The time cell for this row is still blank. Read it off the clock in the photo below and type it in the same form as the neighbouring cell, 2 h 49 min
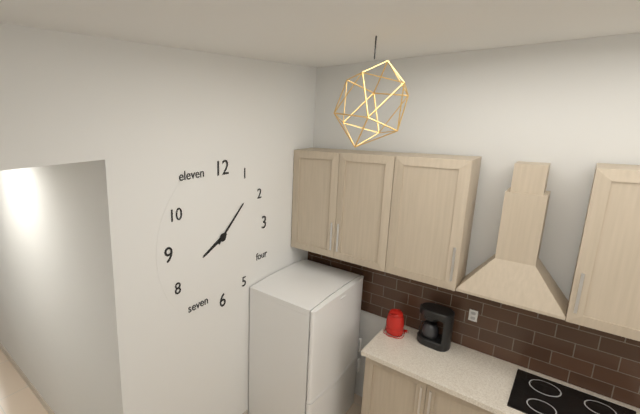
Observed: 8 h 08 min
